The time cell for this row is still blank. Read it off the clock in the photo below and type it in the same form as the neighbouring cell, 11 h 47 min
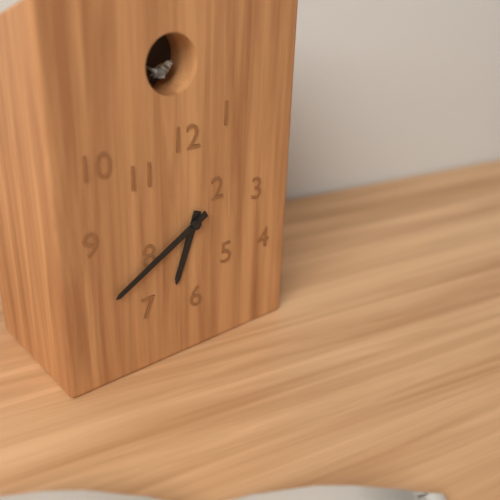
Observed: 6 h 40 min
